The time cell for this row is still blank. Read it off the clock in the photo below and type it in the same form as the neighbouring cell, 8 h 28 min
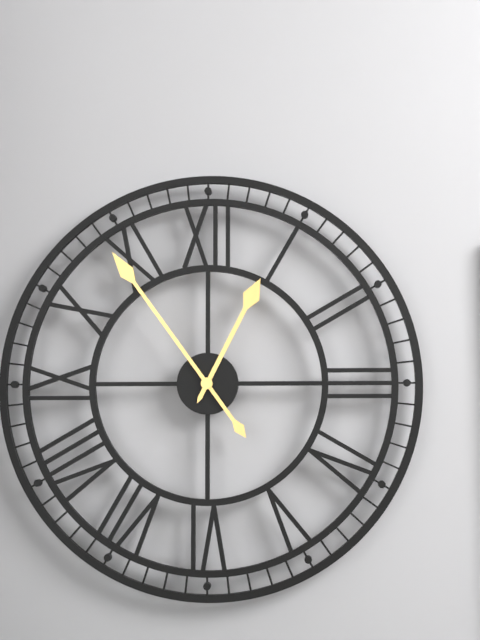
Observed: 12 h 54 min
